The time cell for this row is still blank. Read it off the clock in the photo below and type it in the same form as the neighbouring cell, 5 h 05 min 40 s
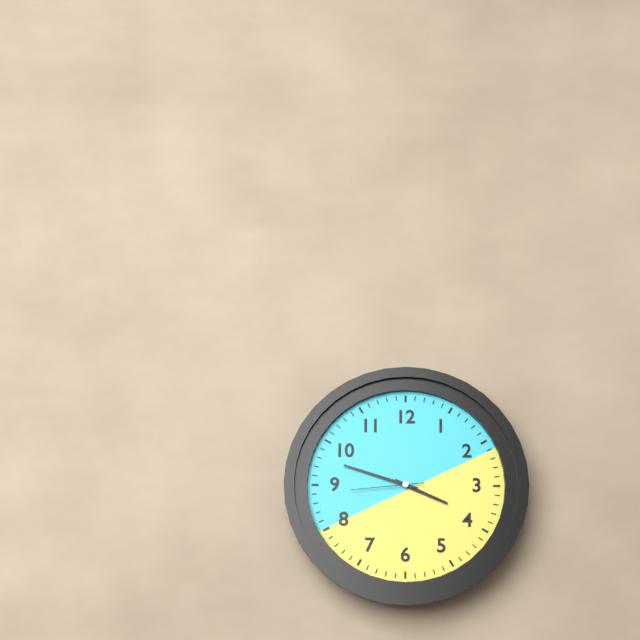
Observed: 3 h 48 min 44 s
